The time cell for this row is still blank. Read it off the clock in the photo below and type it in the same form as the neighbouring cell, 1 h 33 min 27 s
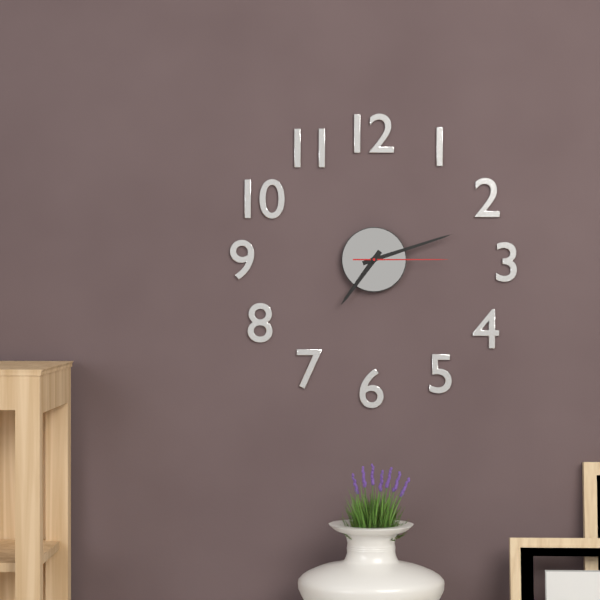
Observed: 7 h 12 min 15 s
